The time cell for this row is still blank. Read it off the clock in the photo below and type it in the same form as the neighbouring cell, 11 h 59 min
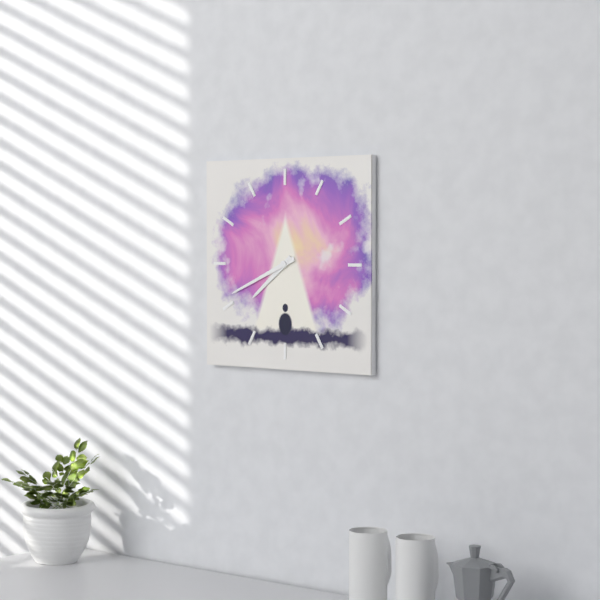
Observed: 7 h 41 min
